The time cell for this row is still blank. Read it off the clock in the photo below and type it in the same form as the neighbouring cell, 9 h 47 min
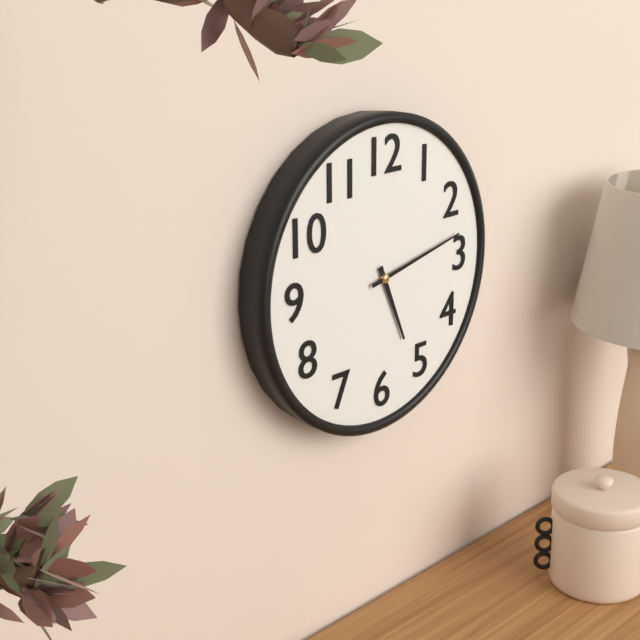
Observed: 5 h 13 min
